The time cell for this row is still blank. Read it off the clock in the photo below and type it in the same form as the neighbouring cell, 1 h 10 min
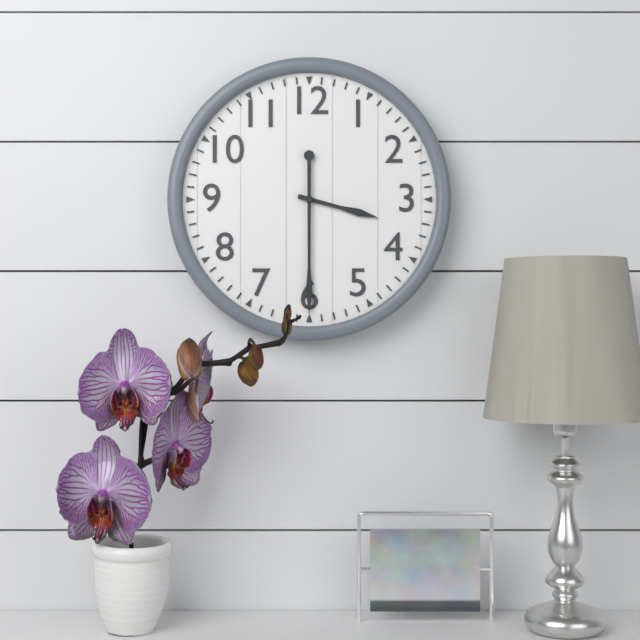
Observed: 3 h 30 min
